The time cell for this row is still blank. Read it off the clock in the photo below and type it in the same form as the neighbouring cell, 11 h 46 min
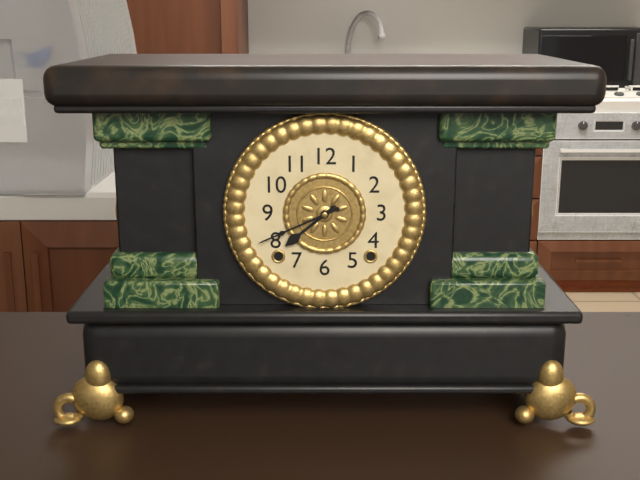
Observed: 7 h 41 min
